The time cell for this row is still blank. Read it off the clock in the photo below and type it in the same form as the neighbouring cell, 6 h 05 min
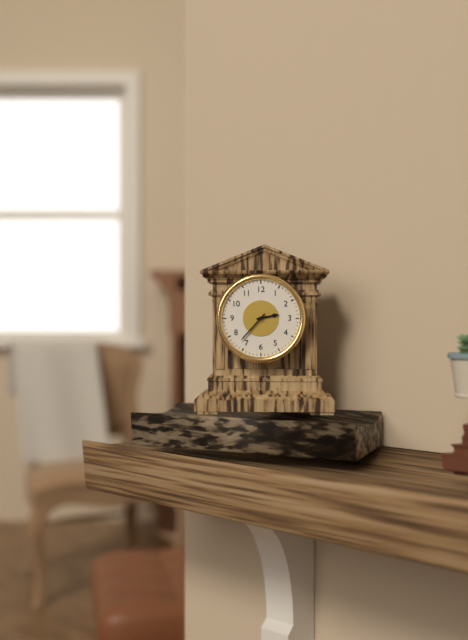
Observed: 2 h 37 min
